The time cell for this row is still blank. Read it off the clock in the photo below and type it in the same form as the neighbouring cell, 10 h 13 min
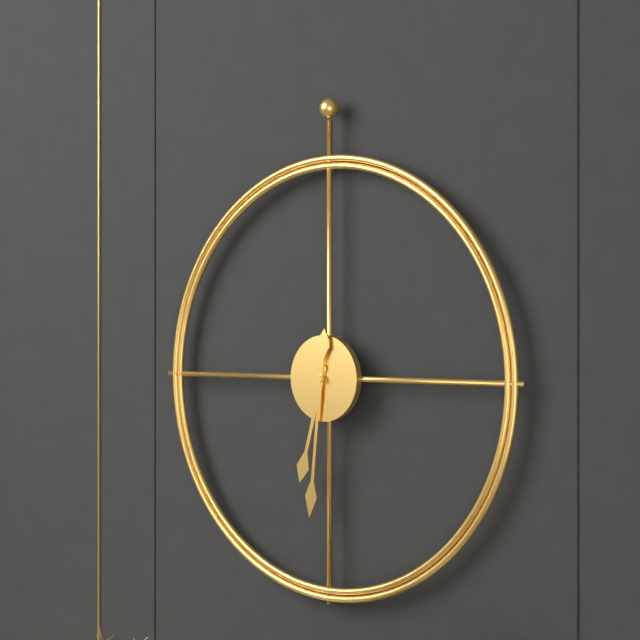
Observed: 6 h 31 min
